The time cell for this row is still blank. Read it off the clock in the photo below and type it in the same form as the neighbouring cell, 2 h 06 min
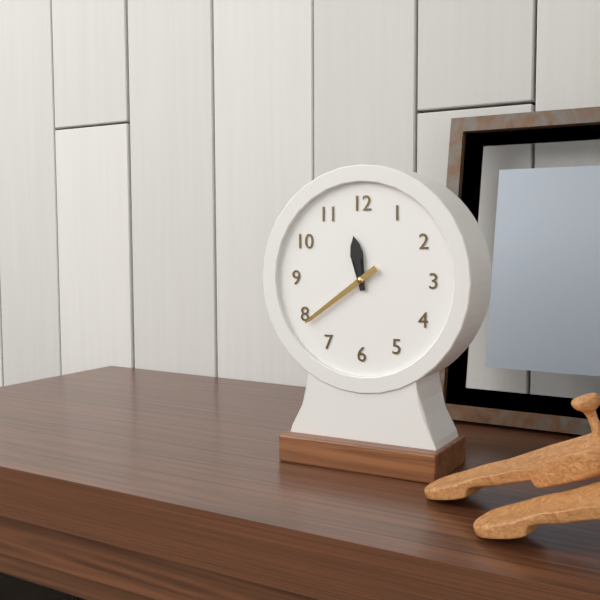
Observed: 11 h 39 min
